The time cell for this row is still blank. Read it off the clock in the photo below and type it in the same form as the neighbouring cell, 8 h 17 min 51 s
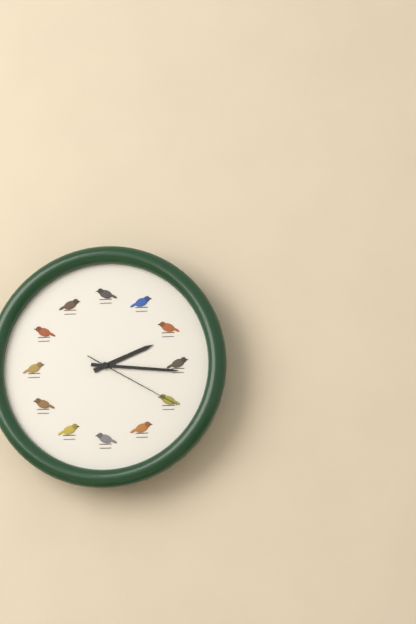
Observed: 2 h 16 min 20 s
